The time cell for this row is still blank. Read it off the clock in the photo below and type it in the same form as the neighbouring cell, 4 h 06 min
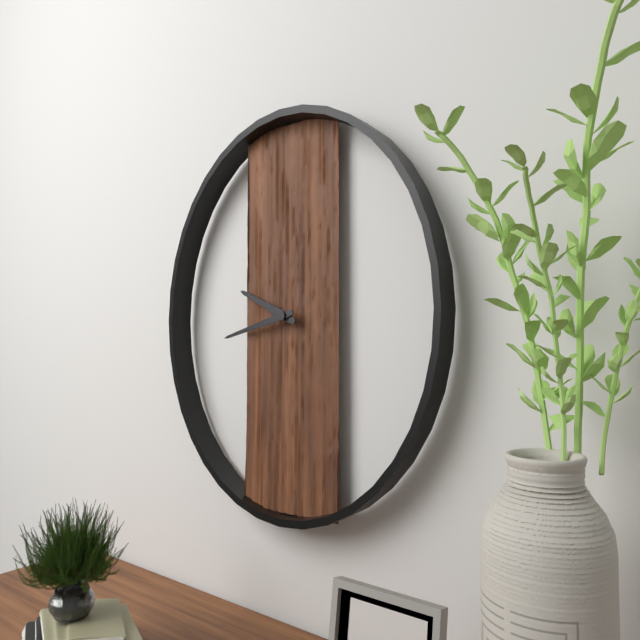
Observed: 9 h 43 min
